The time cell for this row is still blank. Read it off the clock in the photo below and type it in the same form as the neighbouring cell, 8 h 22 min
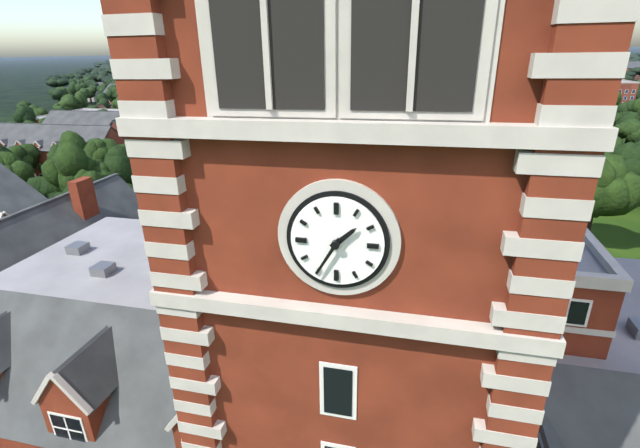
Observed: 1 h 35 min
